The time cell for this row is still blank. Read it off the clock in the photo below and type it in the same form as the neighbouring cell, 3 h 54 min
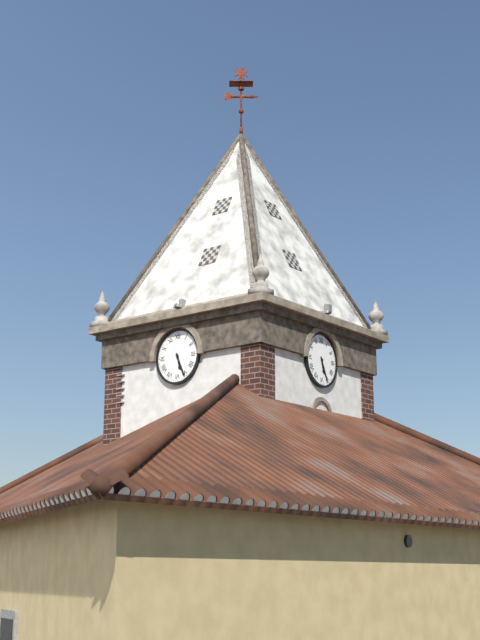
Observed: 5 h 26 min
